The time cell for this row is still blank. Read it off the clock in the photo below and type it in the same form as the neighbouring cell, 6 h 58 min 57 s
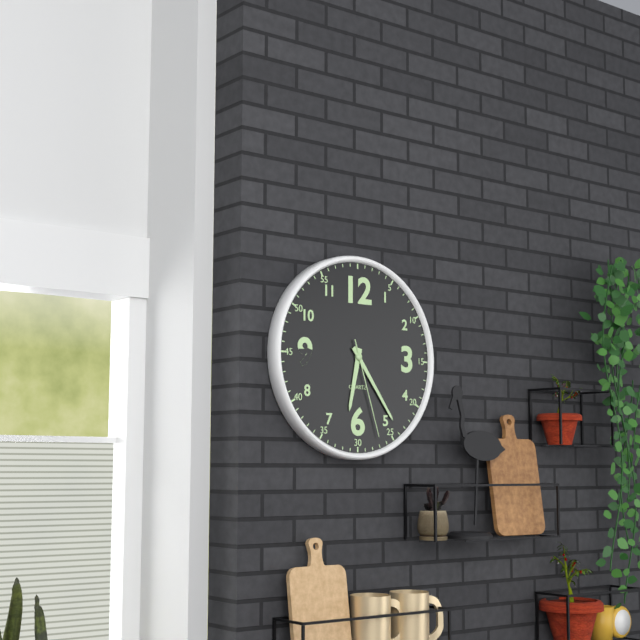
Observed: 6 h 24 min 27 s
